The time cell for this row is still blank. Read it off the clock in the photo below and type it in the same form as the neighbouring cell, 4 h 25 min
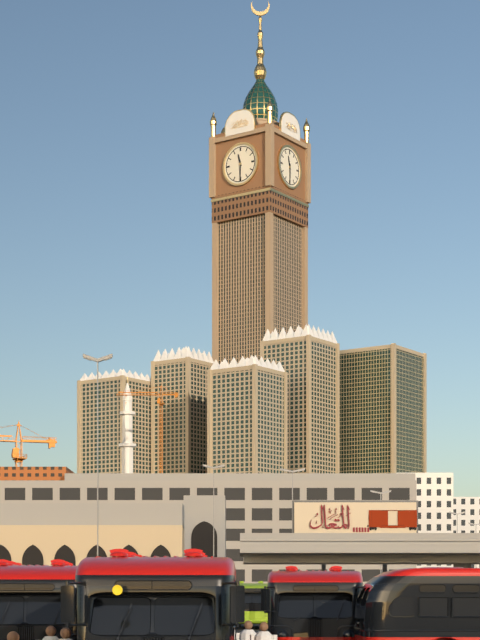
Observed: 11 h 30 min
